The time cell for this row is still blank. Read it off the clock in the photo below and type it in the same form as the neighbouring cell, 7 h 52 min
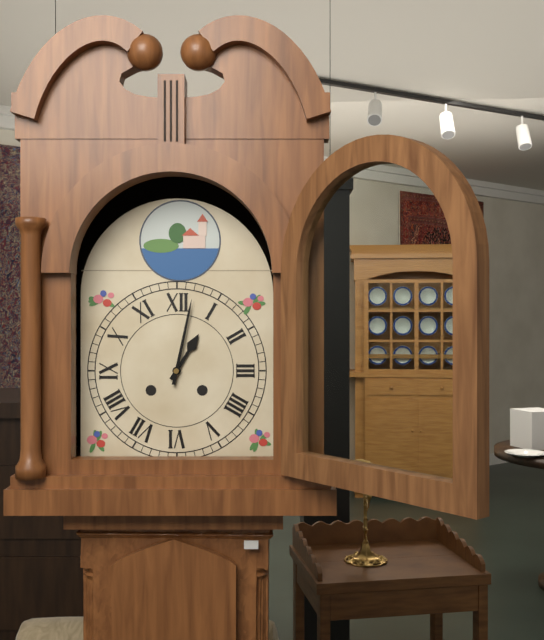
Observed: 1 h 02 min
